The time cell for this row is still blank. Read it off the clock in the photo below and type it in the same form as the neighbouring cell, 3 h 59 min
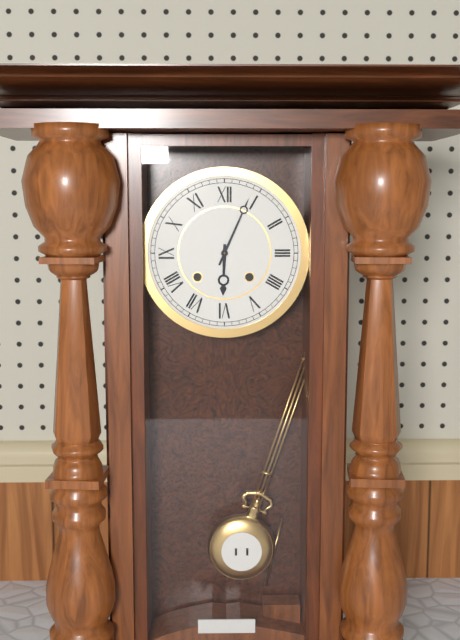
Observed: 6 h 04 min
